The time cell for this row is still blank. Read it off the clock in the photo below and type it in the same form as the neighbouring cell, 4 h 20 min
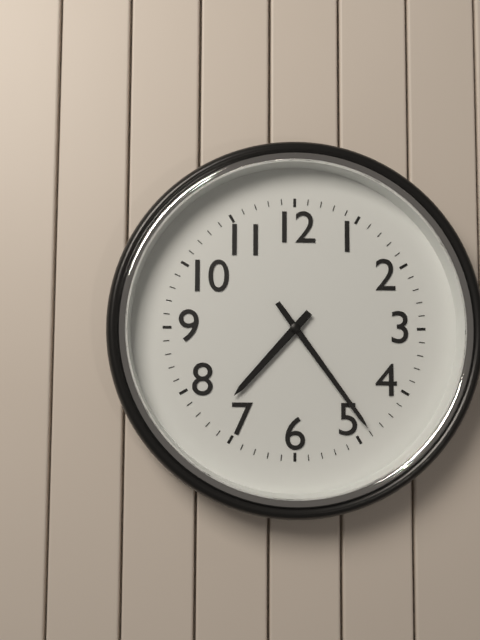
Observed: 7 h 24 min
